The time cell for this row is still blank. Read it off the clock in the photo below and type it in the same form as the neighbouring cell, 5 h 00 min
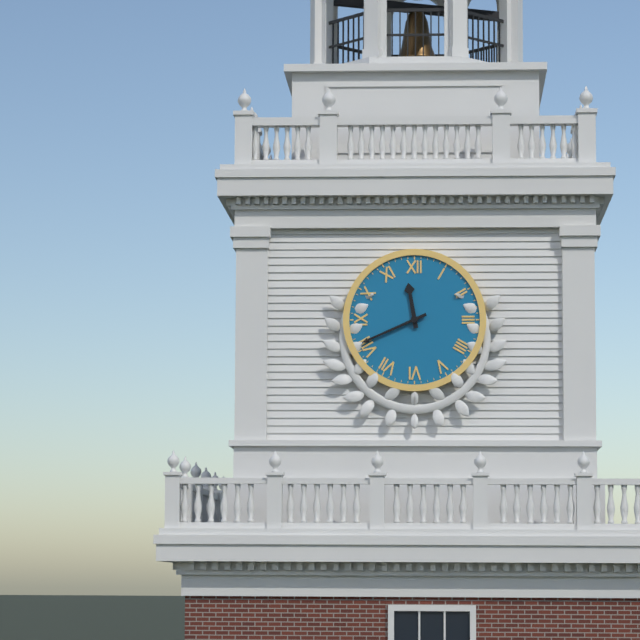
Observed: 11 h 41 min
